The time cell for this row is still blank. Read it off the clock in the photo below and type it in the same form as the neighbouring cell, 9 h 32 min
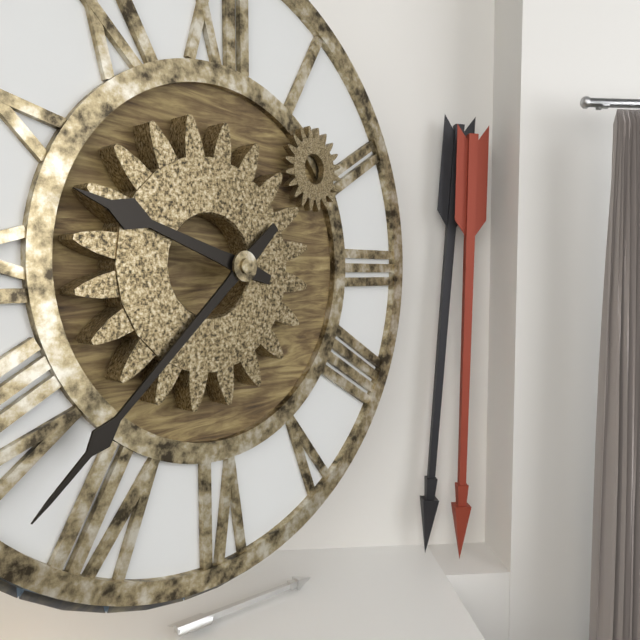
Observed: 9 h 38 min
